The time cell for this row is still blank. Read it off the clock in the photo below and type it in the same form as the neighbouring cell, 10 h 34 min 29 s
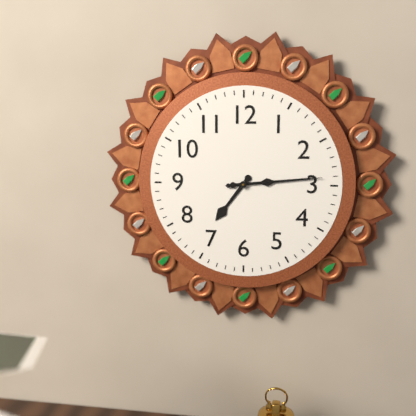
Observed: 7 h 14 min 14 s
